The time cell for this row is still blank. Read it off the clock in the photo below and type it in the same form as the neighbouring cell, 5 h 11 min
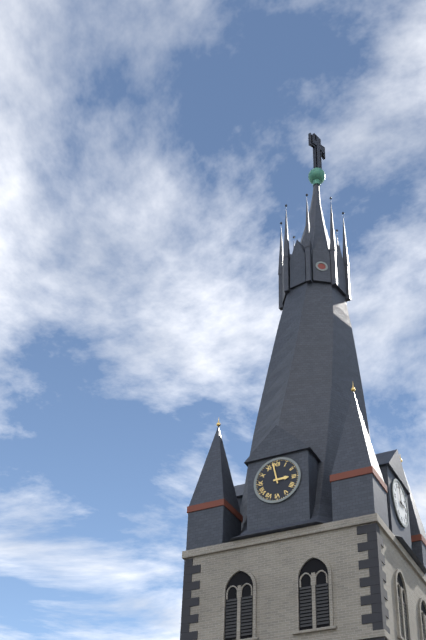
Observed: 2 h 58 min
